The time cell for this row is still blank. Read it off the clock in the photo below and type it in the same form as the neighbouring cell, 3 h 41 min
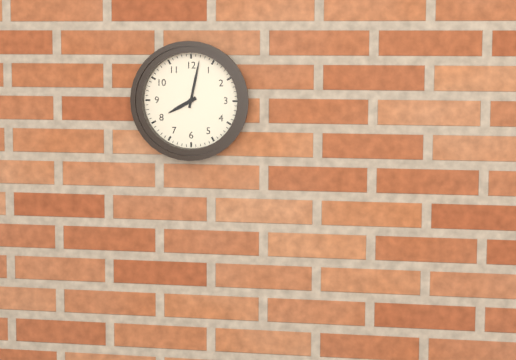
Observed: 8 h 02 min
